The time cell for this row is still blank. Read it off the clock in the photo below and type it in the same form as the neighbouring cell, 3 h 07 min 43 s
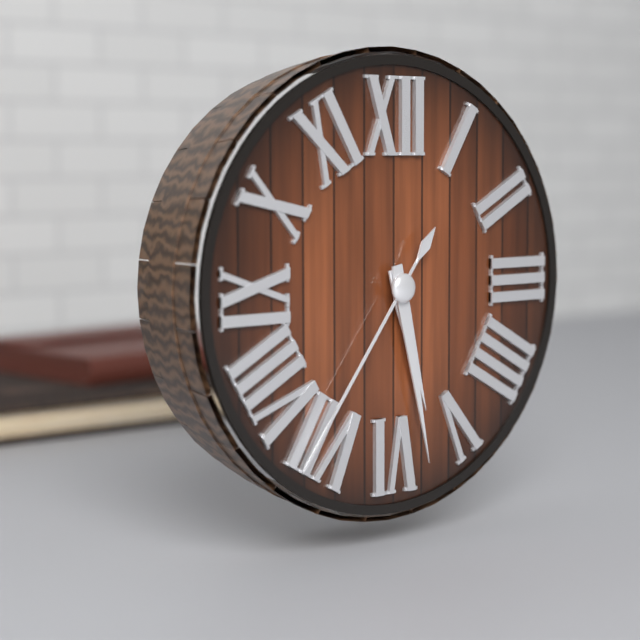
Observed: 5 h 28 min 36 s
